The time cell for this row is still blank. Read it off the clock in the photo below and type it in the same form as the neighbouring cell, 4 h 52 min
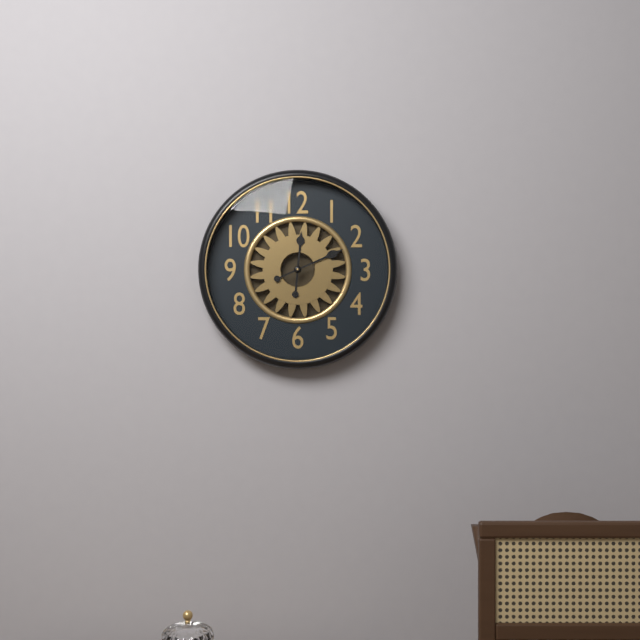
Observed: 12 h 11 min
